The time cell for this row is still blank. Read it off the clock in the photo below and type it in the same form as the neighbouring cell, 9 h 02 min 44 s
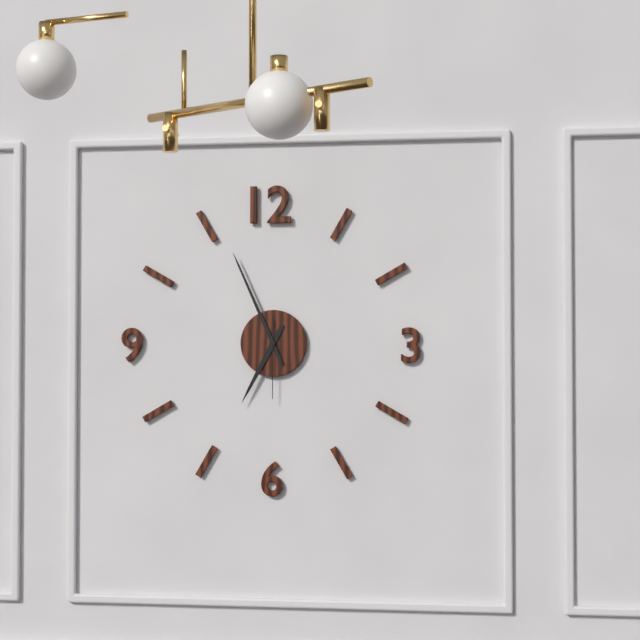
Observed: 6 h 56 min 30 s
